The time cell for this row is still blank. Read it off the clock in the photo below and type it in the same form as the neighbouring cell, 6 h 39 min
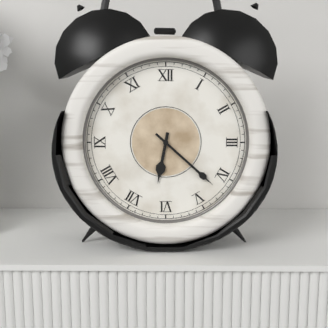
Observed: 6 h 22 min
